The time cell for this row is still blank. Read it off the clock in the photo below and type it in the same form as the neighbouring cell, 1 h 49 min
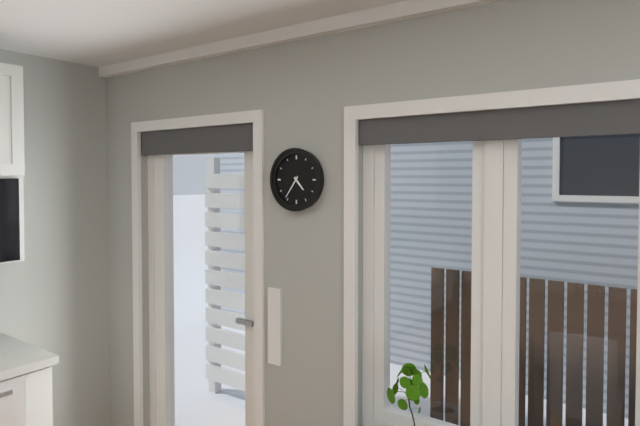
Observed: 4 h 36 min
